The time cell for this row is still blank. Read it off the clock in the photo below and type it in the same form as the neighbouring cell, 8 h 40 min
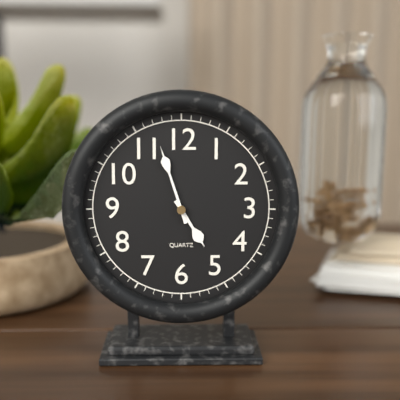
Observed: 4 h 57 min
